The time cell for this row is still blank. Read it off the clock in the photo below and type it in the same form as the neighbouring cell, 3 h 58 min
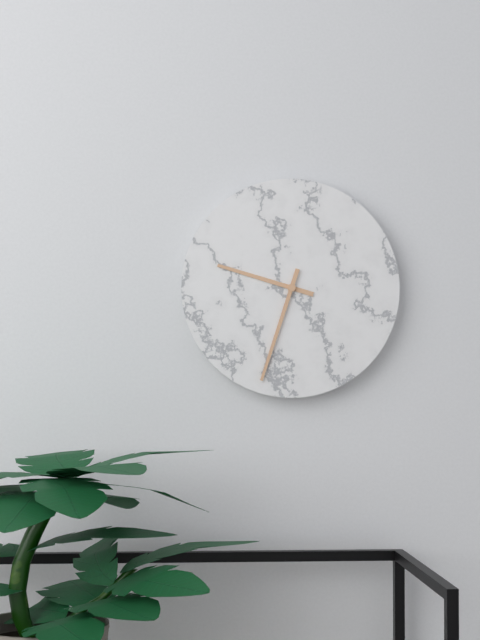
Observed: 9 h 33 min
